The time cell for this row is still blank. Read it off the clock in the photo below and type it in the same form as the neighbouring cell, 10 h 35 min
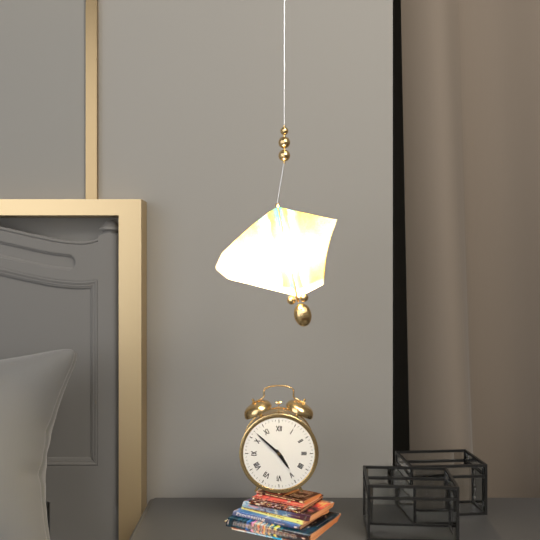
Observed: 4 h 52 min
